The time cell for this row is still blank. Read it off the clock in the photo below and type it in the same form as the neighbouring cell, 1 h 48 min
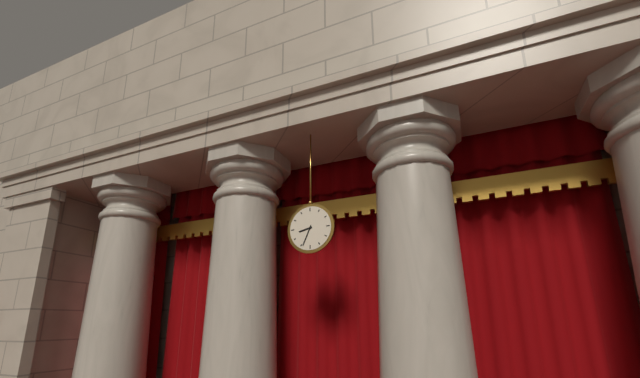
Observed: 8 h 34 min
